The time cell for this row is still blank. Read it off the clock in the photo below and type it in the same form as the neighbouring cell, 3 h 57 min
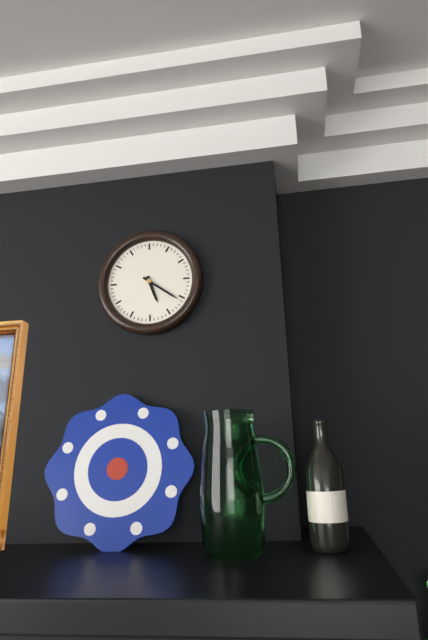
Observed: 5 h 21 min
